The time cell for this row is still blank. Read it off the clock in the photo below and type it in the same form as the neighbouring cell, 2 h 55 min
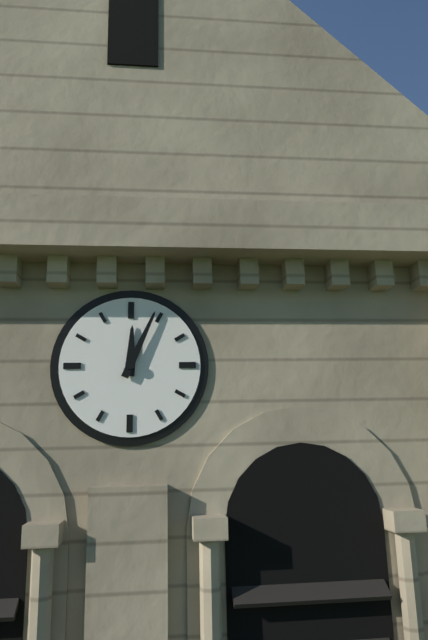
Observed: 12 h 04 min
